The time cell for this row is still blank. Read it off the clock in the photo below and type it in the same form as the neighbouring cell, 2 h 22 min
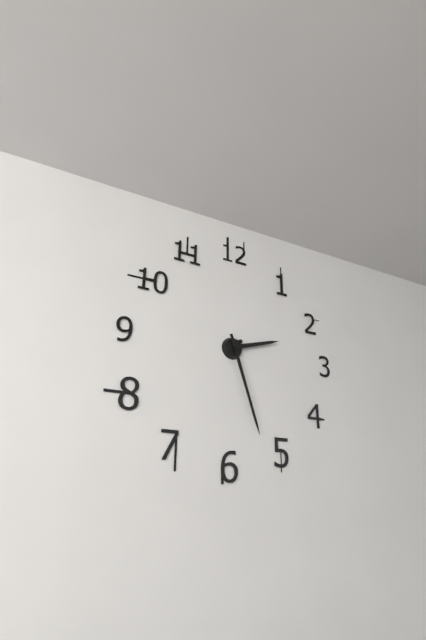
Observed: 2 h 27 min
